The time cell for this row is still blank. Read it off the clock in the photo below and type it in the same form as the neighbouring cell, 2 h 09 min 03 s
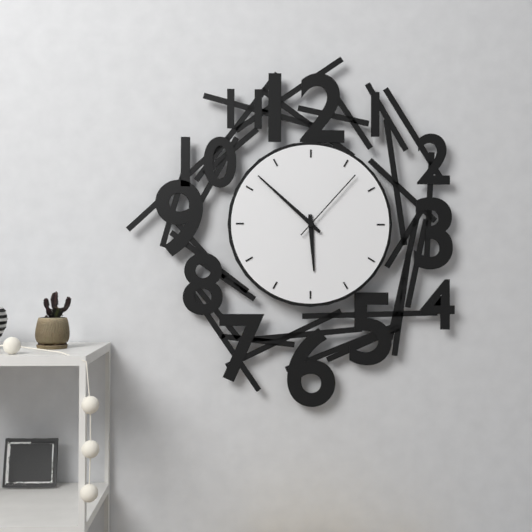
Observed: 5 h 52 min 07 s
